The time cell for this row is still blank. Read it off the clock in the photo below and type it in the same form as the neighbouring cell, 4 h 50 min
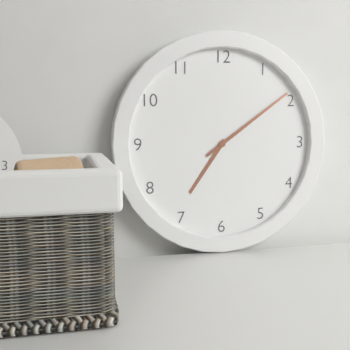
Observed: 7 h 09 min
